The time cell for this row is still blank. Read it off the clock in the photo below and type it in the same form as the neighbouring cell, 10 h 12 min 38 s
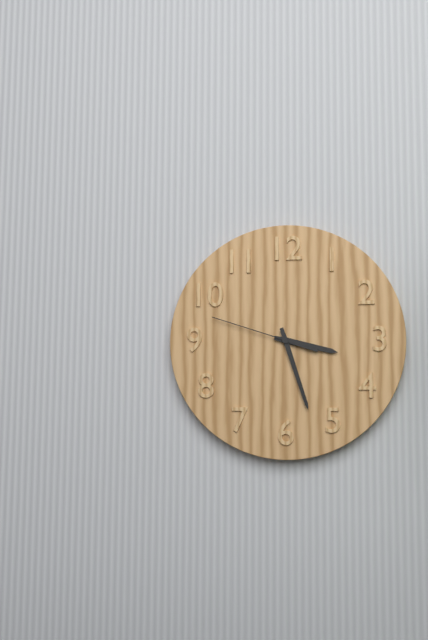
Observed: 3 h 27 min 48 s
